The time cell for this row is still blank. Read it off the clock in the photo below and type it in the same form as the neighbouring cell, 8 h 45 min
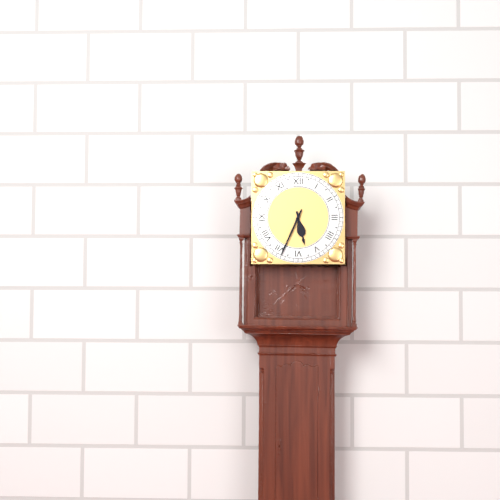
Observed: 5 h 34 min
